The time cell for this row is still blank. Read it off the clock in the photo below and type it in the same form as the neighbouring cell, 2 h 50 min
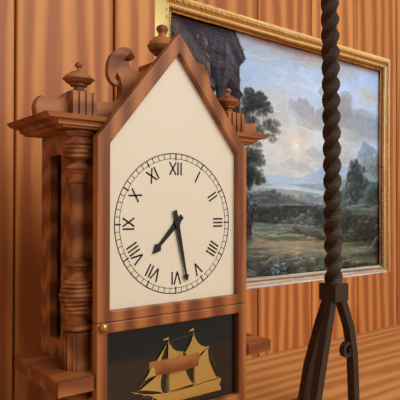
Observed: 7 h 28 min
